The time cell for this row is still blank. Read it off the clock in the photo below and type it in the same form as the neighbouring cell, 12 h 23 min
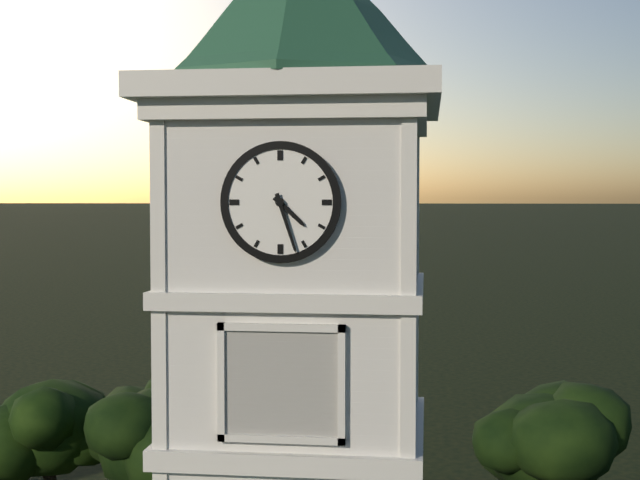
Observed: 4 h 27 min
